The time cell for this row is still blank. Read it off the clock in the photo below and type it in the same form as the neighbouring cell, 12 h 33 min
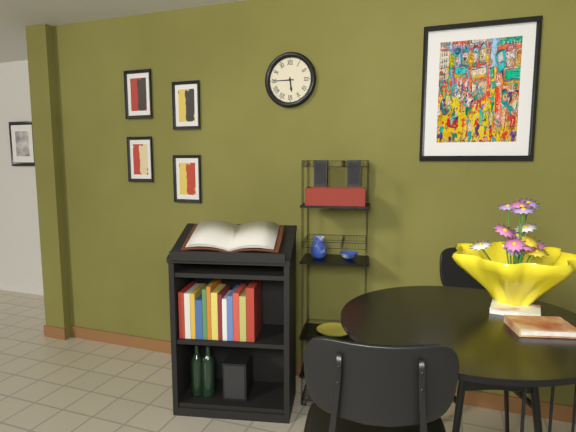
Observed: 5 h 45 min
